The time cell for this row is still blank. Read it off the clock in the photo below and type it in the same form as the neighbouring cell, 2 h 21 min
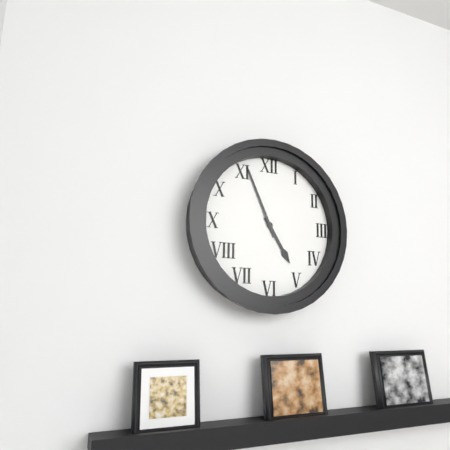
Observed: 4 h 56 min
